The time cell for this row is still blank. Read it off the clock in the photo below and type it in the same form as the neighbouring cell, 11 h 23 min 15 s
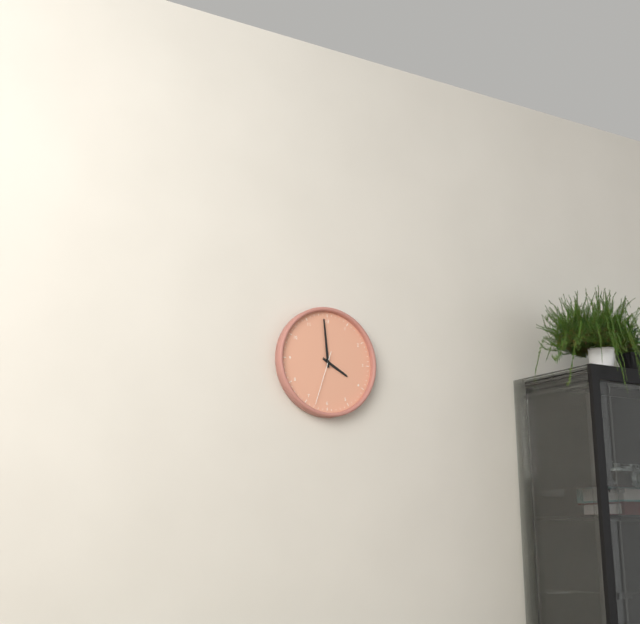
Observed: 3 h 59 min 33 s
